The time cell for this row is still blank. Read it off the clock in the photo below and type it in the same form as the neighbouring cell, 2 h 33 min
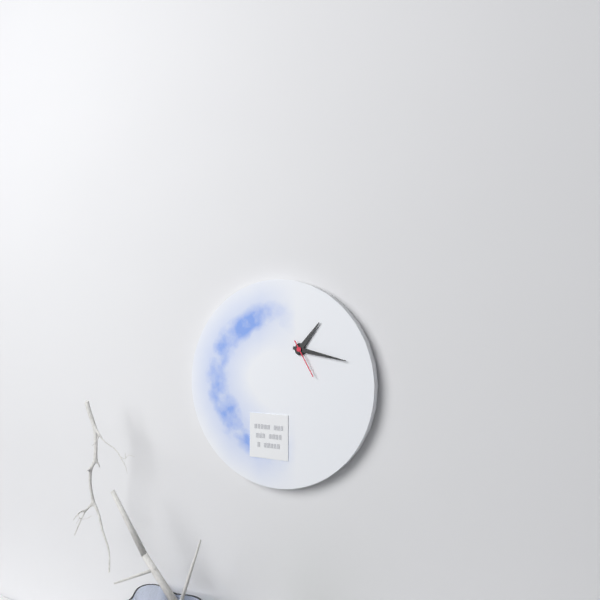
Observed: 1 h 17 min
